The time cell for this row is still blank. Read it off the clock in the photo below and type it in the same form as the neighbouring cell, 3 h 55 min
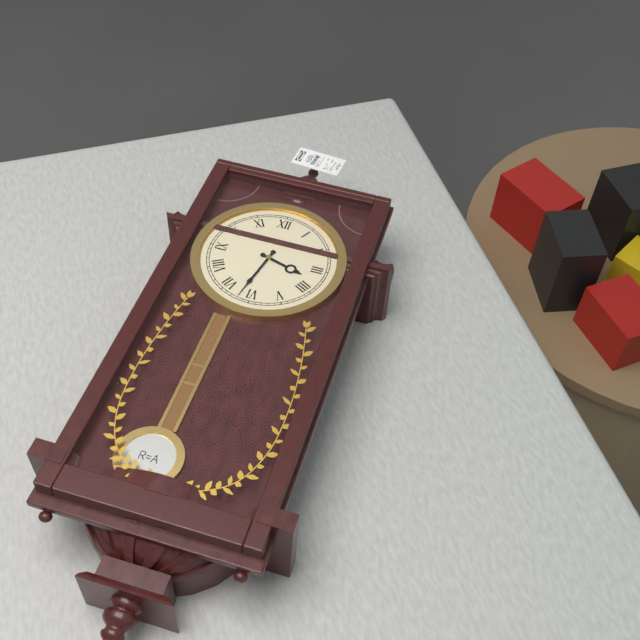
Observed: 3 h 32 min
